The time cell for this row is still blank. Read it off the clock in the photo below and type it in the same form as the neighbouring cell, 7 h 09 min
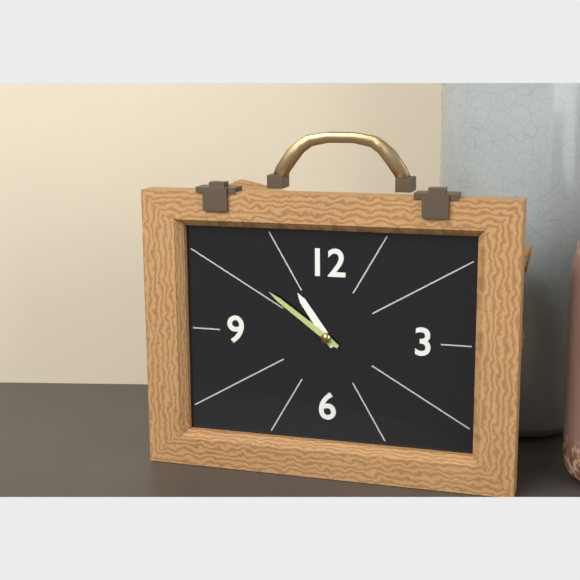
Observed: 10 h 51 min
